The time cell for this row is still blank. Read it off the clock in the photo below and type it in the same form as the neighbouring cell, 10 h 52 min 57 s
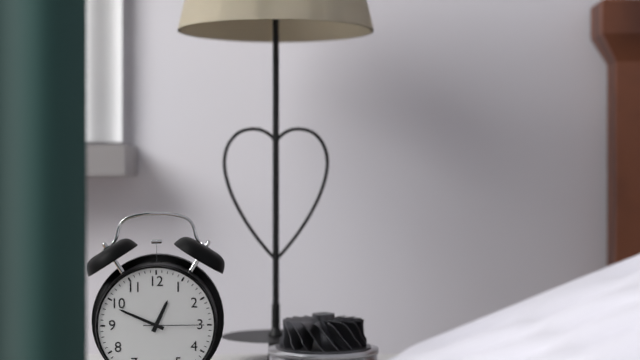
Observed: 12 h 49 min 15 s
